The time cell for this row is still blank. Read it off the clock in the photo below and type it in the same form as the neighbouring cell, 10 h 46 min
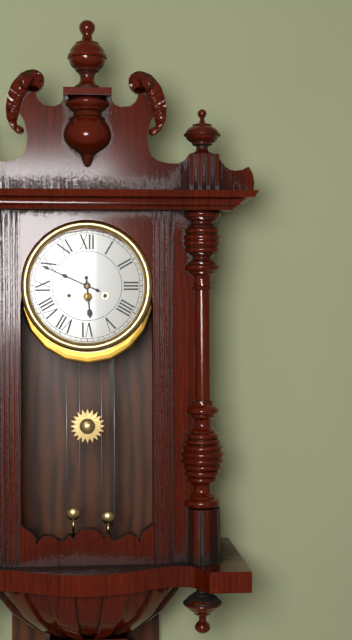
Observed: 5 h 49 min
